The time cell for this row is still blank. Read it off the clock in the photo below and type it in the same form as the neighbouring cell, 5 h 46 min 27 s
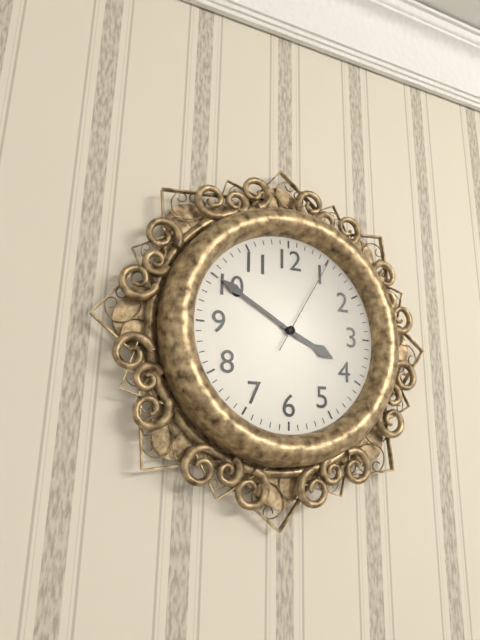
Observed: 3 h 50 min 05 s
